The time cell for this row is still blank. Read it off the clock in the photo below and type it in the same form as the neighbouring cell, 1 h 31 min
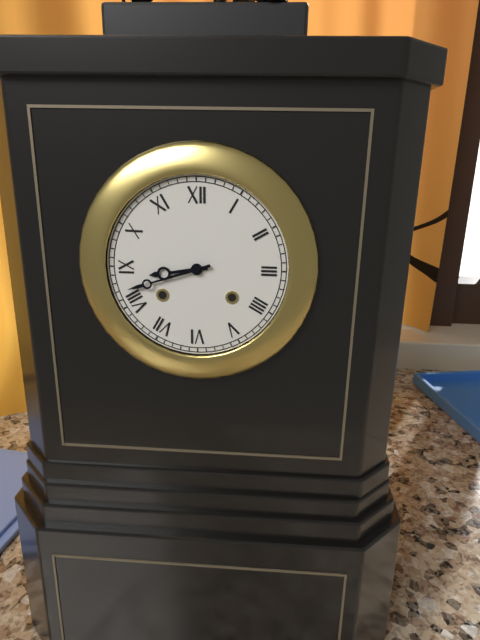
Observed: 8 h 42 min
